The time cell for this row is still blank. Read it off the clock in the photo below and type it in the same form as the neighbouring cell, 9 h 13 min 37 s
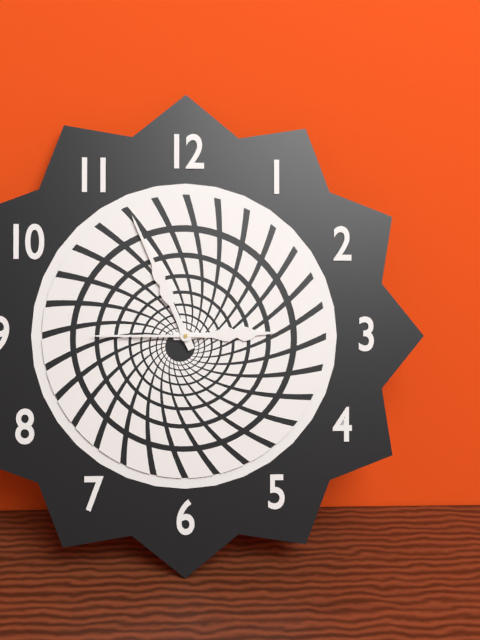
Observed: 2 h 56 min 45 s
